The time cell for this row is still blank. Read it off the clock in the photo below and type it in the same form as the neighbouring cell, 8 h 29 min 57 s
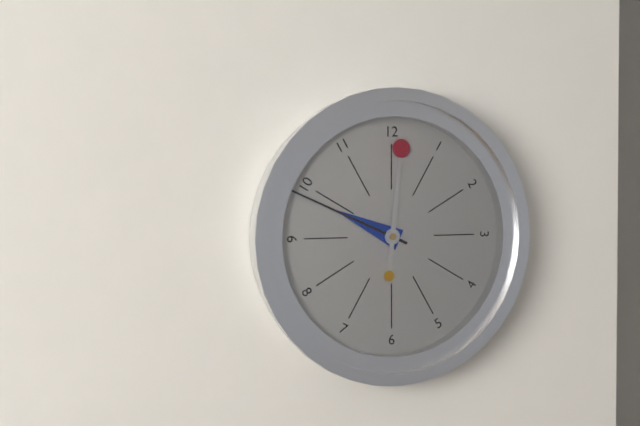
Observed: 9 h 49 min 01 s
